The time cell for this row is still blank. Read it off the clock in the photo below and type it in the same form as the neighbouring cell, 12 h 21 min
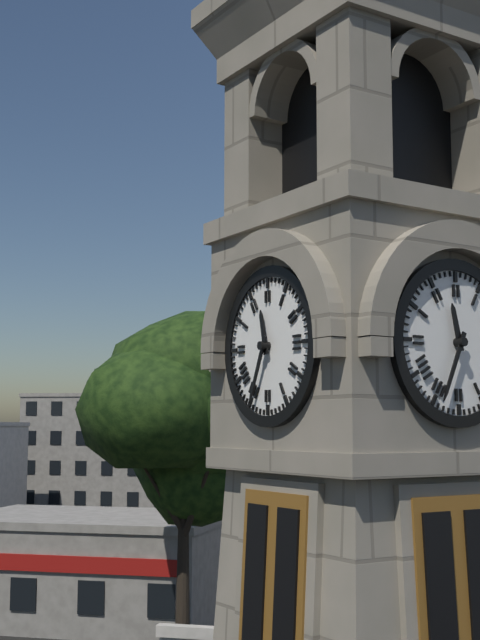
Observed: 11 h 34 min
